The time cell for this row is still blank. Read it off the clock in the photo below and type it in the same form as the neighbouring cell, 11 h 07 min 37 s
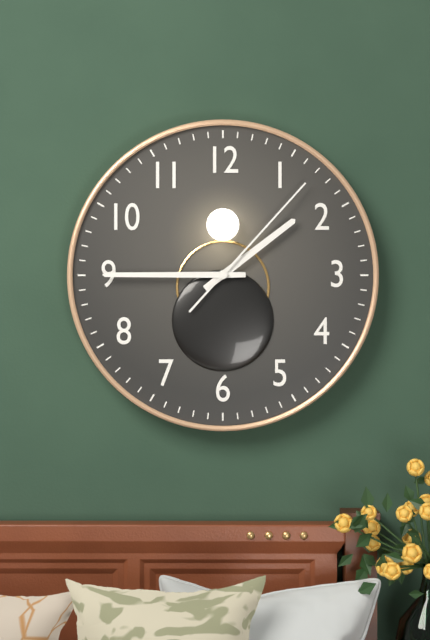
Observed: 1 h 45 min 07 s
